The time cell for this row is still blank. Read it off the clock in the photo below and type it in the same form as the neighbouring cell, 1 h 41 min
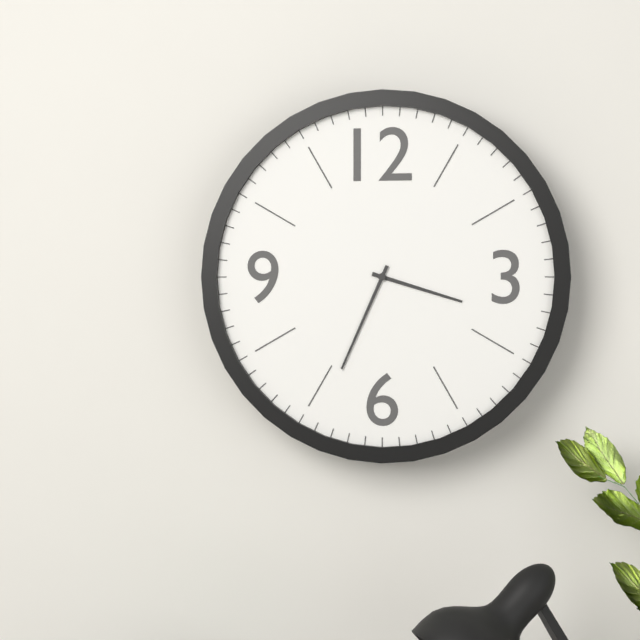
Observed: 3 h 34 min
